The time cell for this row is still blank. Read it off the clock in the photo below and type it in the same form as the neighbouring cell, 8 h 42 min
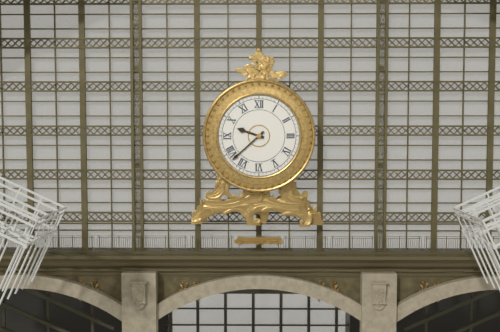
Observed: 9 h 38 min
